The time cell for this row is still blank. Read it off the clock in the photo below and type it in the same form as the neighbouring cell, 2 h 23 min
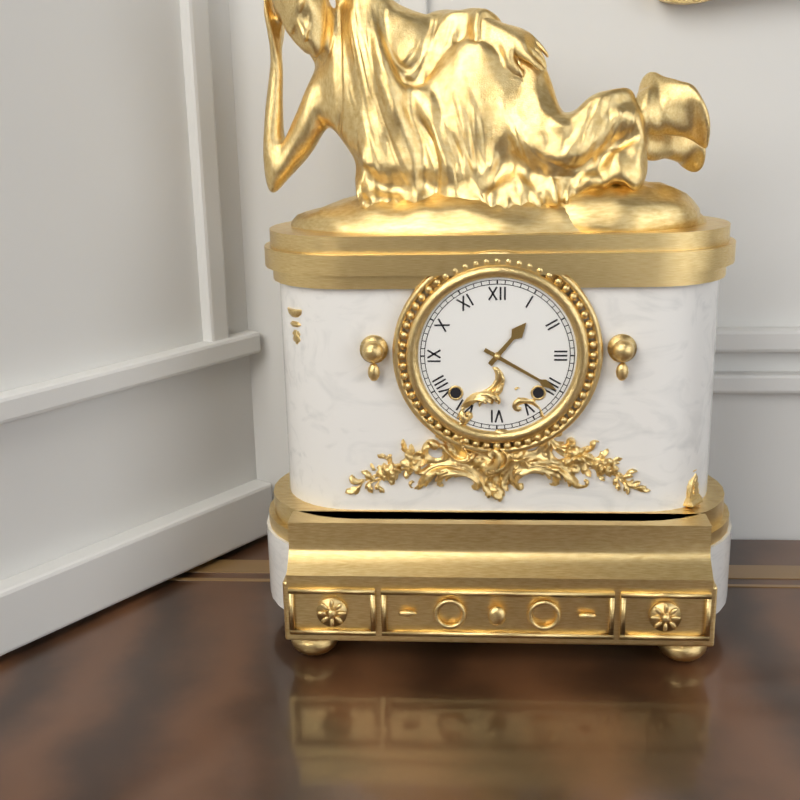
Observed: 1 h 20 min
